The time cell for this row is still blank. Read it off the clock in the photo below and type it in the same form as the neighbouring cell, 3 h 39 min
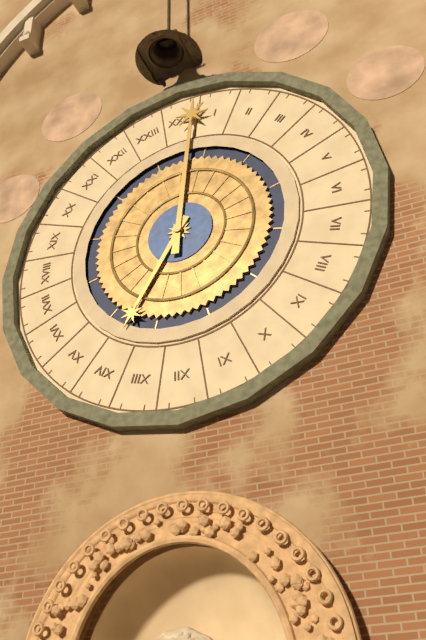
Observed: 7 h 01 min
